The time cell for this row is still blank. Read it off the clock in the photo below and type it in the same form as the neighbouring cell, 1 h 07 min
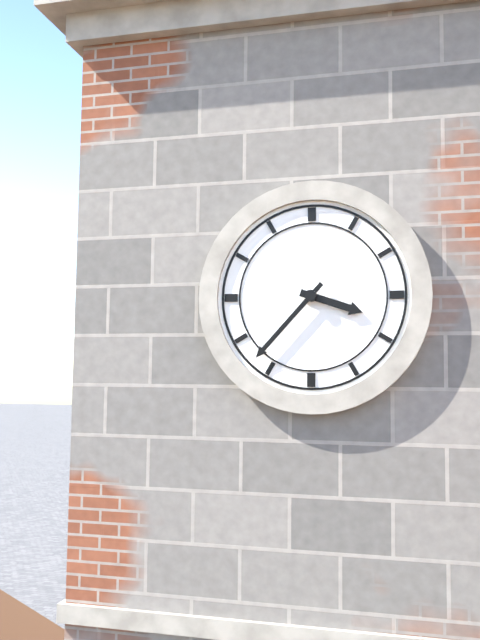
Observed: 3 h 37 min
